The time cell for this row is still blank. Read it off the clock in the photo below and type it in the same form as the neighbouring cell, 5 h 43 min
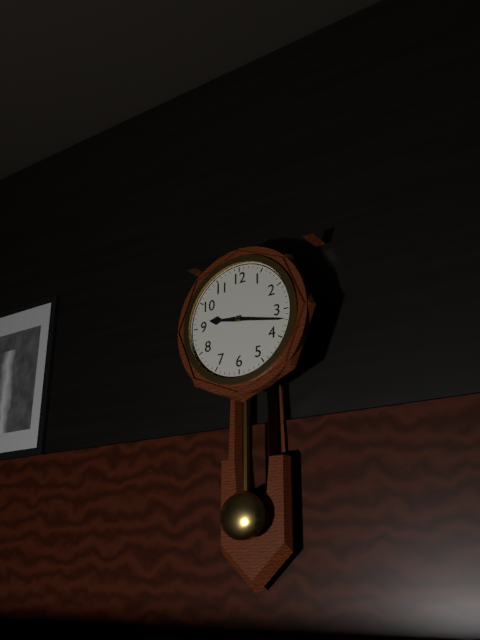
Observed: 9 h 17 min
